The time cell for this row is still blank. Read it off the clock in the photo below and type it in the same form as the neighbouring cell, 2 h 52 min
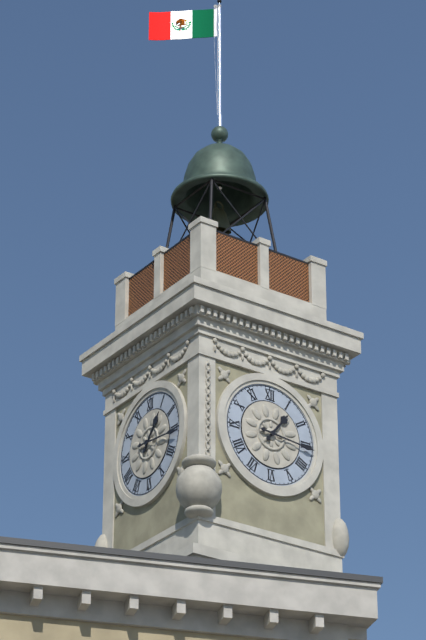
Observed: 1 h 16 min
